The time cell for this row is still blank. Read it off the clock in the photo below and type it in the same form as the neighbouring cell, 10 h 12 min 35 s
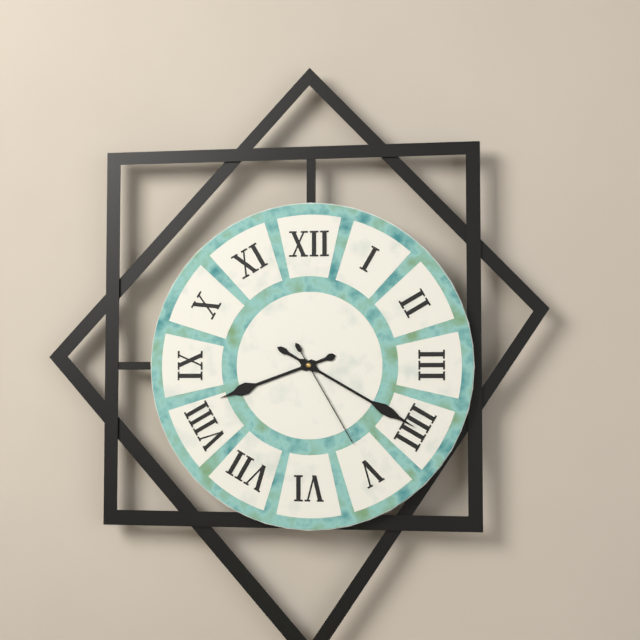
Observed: 8 h 20 min 25 s
